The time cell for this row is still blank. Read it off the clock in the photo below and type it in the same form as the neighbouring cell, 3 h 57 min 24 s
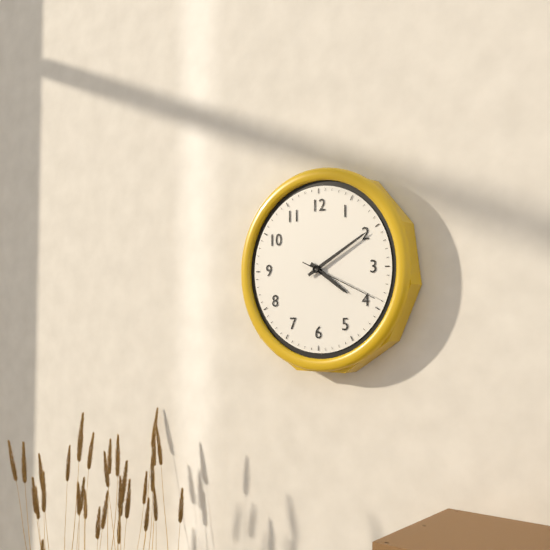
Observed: 4 h 10 min 19 s
